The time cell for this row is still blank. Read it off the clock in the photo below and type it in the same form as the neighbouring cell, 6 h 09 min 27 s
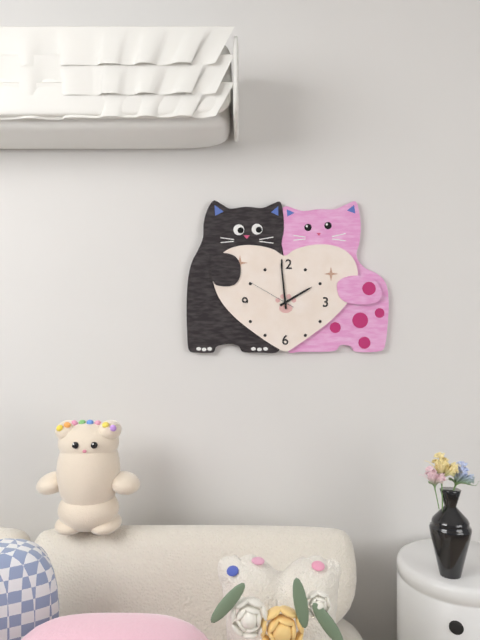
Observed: 1 h 59 min 50 s
